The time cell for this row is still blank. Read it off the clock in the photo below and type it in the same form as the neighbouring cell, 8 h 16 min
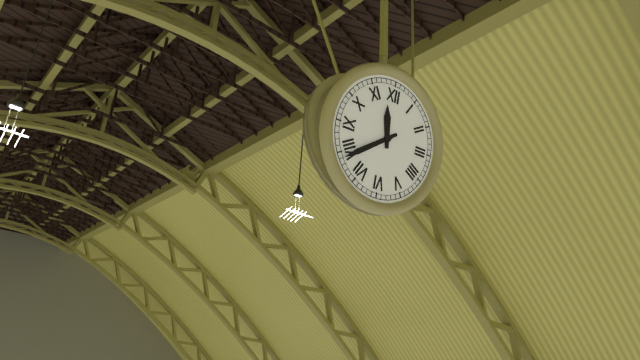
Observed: 11 h 39 min
